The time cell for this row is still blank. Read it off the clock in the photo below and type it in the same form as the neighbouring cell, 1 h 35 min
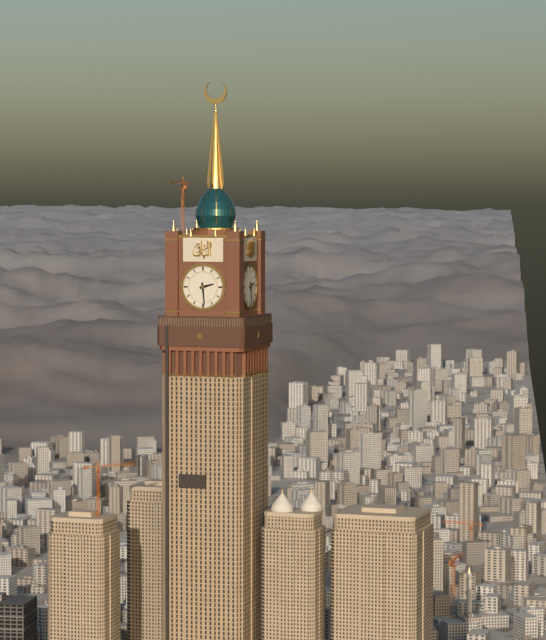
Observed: 2 h 29 min
